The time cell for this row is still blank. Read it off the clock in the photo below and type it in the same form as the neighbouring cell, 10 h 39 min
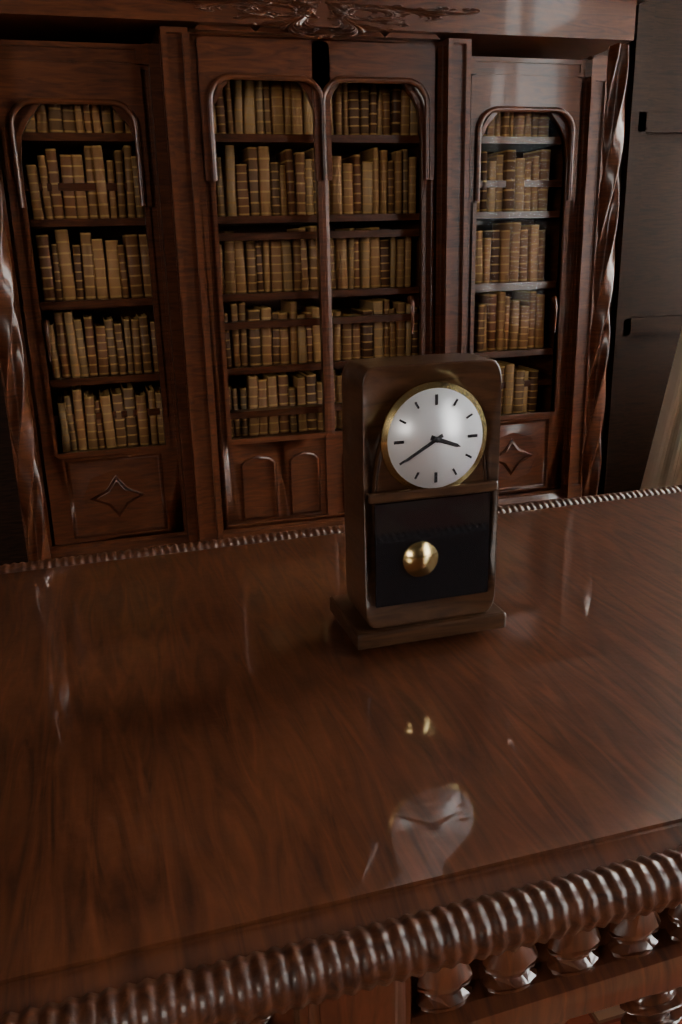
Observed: 3 h 40 min
